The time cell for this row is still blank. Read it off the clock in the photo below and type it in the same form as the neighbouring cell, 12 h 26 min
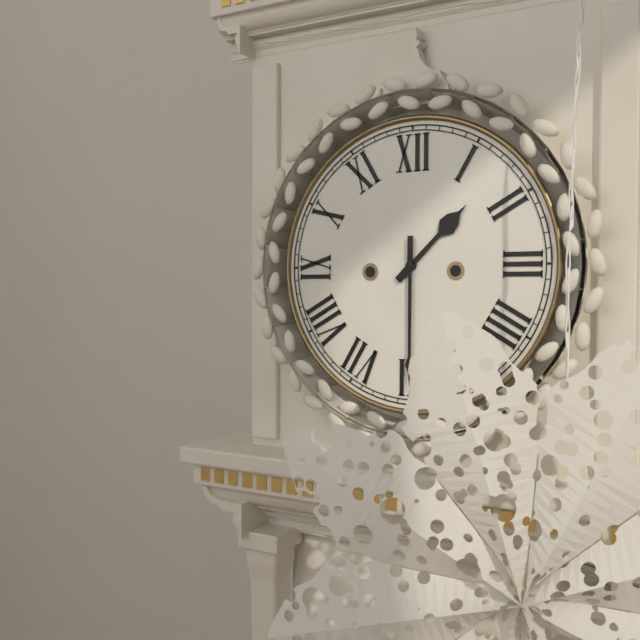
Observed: 1 h 30 min
